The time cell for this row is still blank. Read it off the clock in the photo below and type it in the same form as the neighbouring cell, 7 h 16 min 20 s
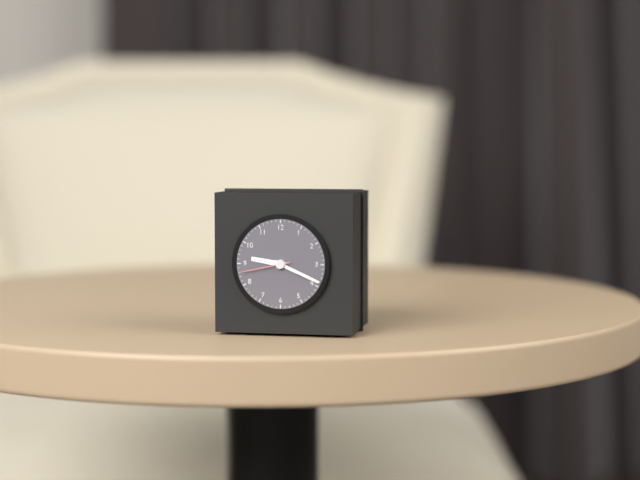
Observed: 9 h 19 min 43 s
